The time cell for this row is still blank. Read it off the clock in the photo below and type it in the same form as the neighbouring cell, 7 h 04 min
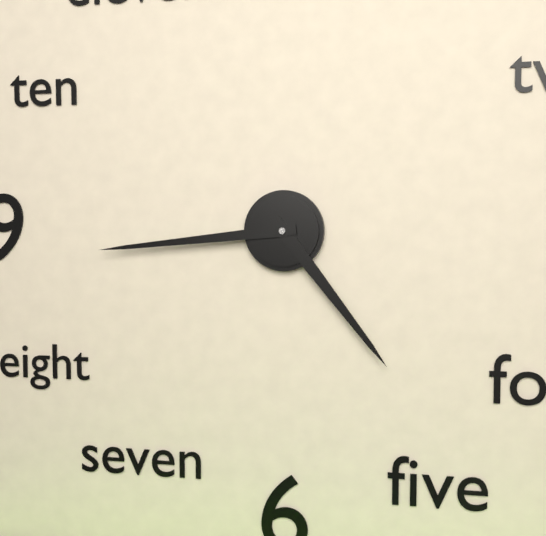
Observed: 4 h 44 min
